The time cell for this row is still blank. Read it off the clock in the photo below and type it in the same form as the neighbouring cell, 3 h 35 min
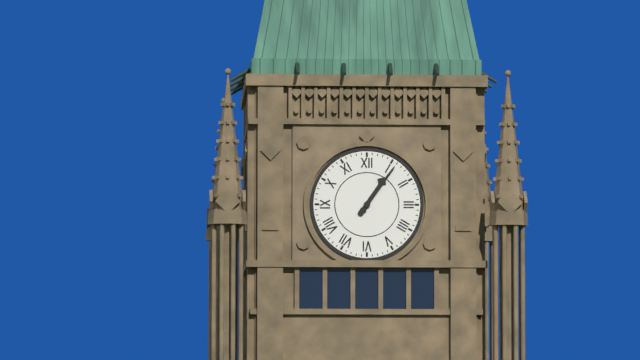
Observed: 1 h 06 min
